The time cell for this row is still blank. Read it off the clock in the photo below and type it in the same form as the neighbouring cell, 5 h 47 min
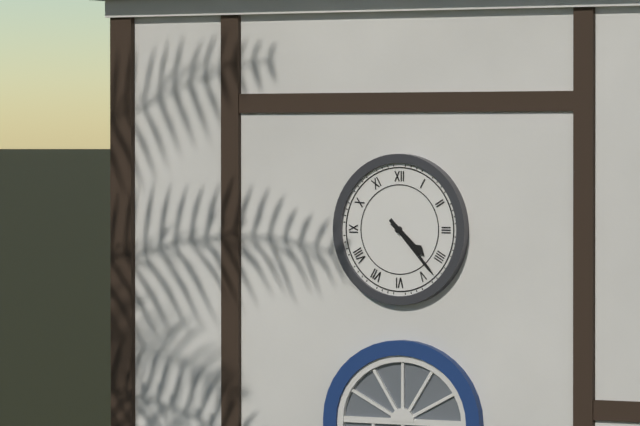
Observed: 4 h 23 min
